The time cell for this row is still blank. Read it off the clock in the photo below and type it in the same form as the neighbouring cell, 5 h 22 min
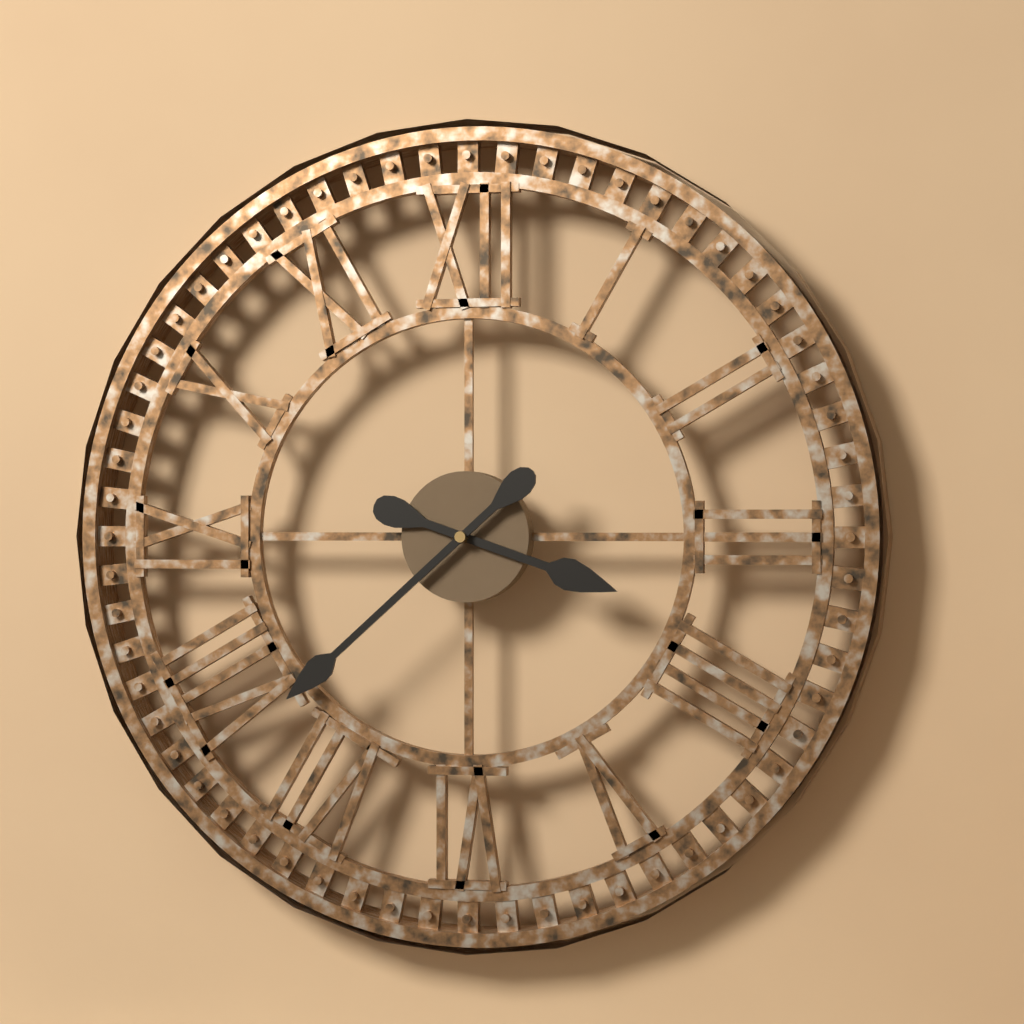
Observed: 3 h 38 min
